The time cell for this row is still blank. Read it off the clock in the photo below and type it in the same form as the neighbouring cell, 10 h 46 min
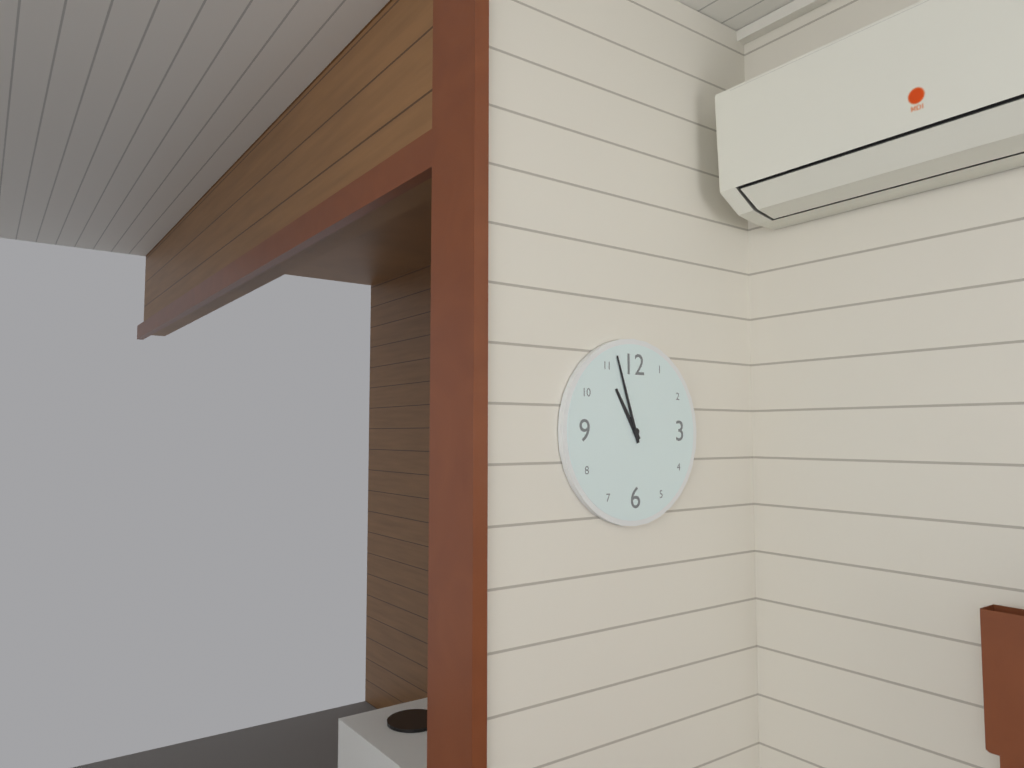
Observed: 10 h 57 min
